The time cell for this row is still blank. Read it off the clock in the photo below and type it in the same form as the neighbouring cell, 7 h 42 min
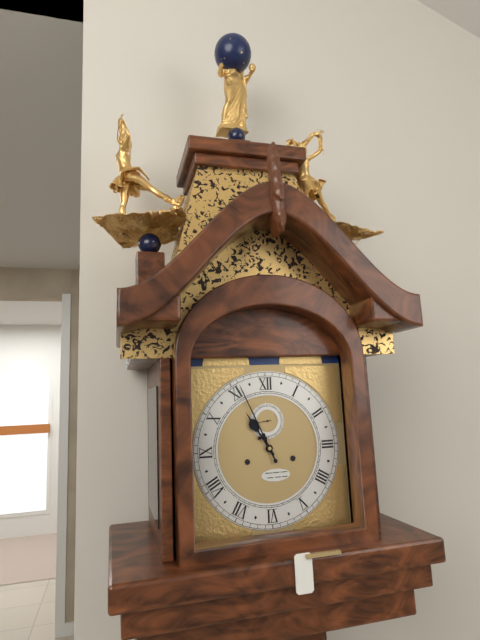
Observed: 10 h 56 min
